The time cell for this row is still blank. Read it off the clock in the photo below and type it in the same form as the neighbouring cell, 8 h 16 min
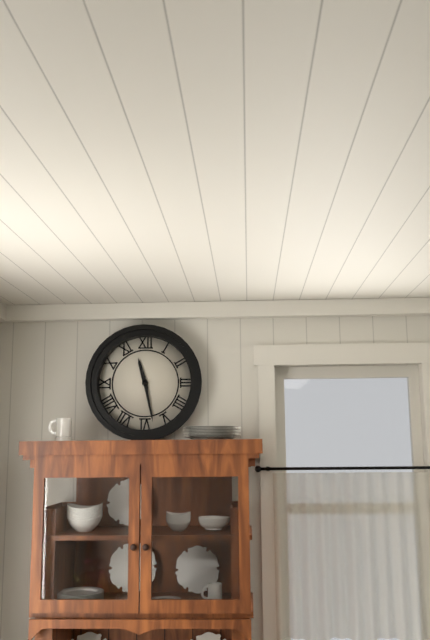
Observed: 11 h 28 min
